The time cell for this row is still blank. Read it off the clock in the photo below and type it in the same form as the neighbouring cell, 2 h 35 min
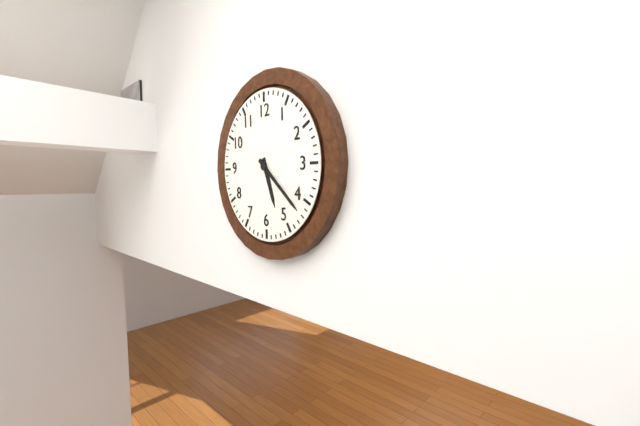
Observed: 5 h 22 min
